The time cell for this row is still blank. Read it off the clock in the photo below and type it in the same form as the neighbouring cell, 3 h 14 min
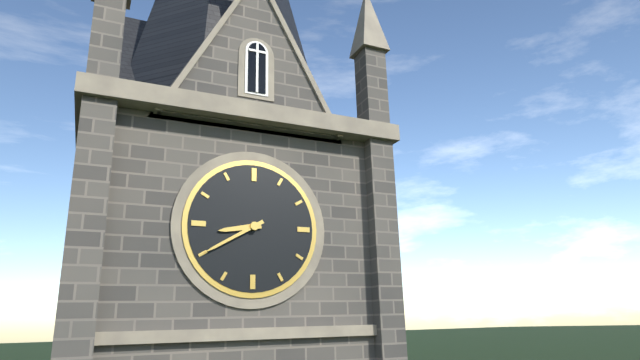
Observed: 8 h 40 min
